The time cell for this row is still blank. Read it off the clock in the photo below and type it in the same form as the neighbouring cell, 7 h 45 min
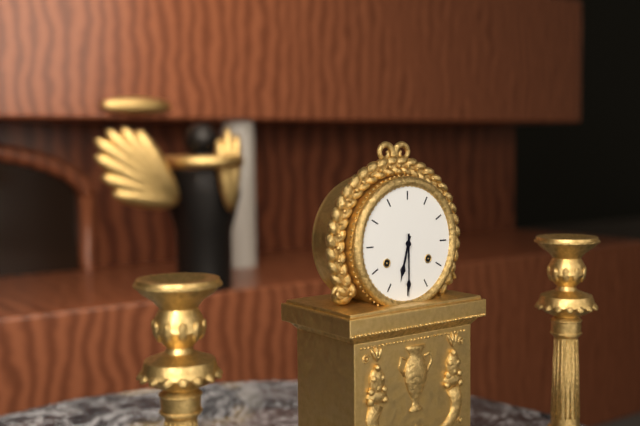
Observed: 6 h 30 min
